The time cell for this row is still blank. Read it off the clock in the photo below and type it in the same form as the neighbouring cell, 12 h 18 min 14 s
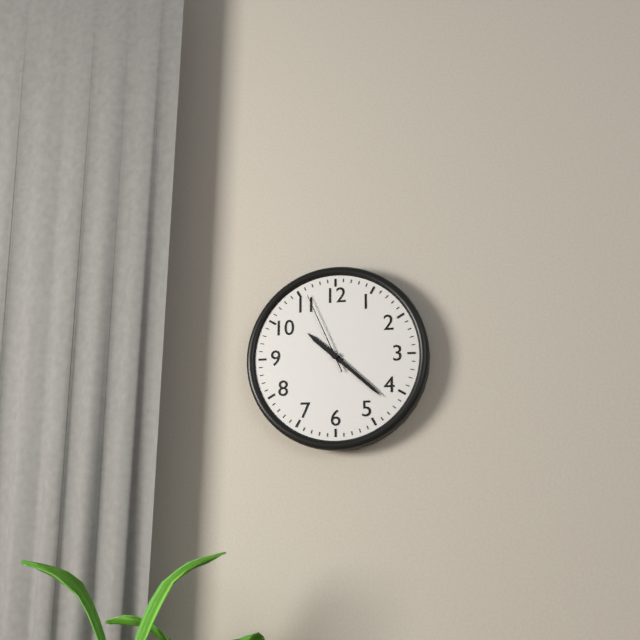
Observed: 10 h 22 min 56 s
